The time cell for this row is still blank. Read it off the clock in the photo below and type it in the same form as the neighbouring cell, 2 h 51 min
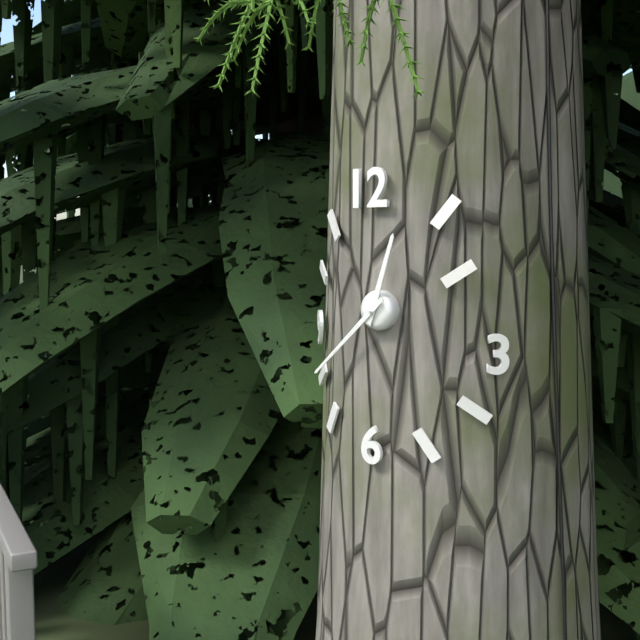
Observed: 12 h 38 min
